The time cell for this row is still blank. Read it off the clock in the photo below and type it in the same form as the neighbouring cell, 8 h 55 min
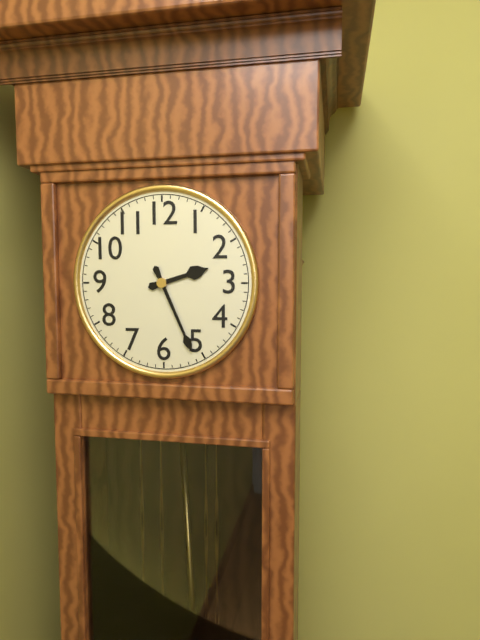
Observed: 2 h 26 min
